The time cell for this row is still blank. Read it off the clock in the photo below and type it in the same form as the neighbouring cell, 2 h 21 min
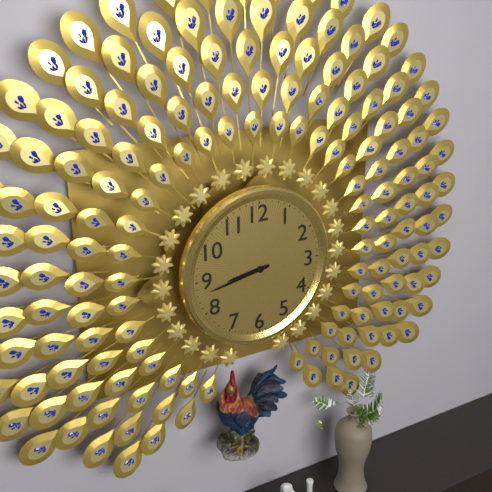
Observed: 8 h 43 min
